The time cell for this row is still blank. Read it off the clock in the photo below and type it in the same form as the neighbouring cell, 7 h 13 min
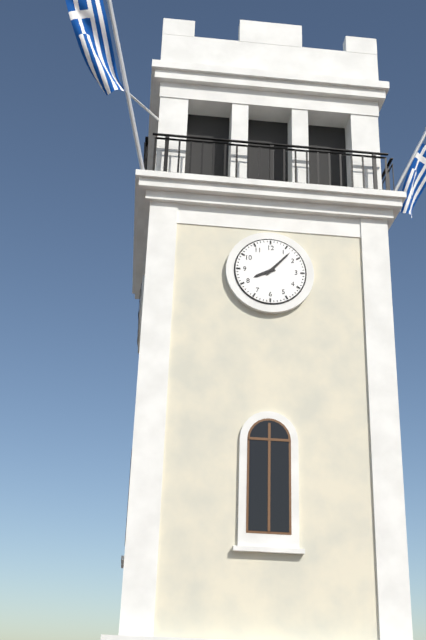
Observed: 8 h 07 min
